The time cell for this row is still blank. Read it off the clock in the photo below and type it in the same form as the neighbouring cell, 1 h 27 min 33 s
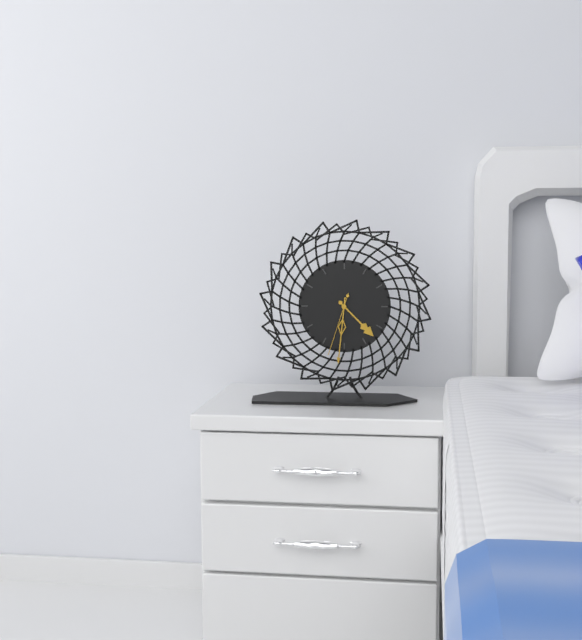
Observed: 4 h 31 min 33 s
